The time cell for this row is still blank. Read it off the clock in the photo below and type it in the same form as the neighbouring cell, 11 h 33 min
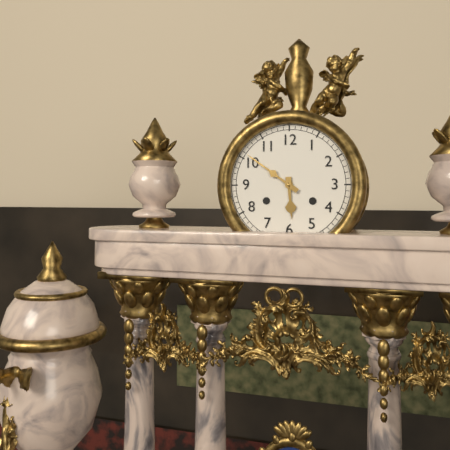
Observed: 5 h 51 min
